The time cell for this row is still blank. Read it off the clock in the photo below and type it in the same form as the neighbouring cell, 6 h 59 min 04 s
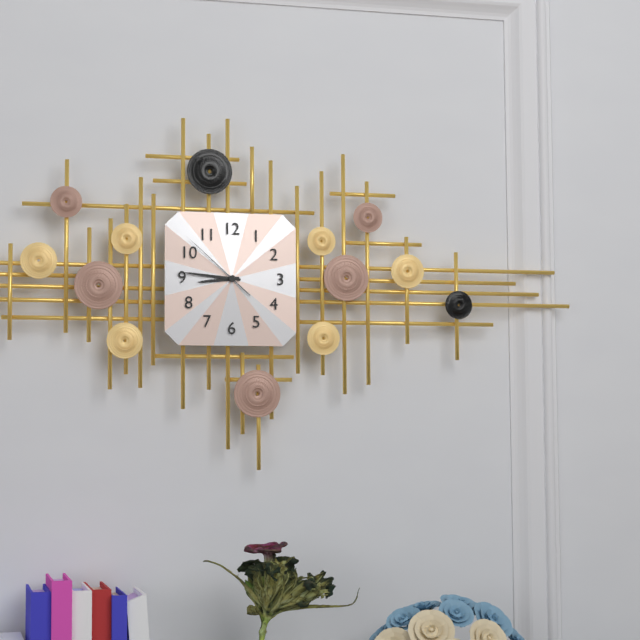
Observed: 8 h 46 min 52 s
